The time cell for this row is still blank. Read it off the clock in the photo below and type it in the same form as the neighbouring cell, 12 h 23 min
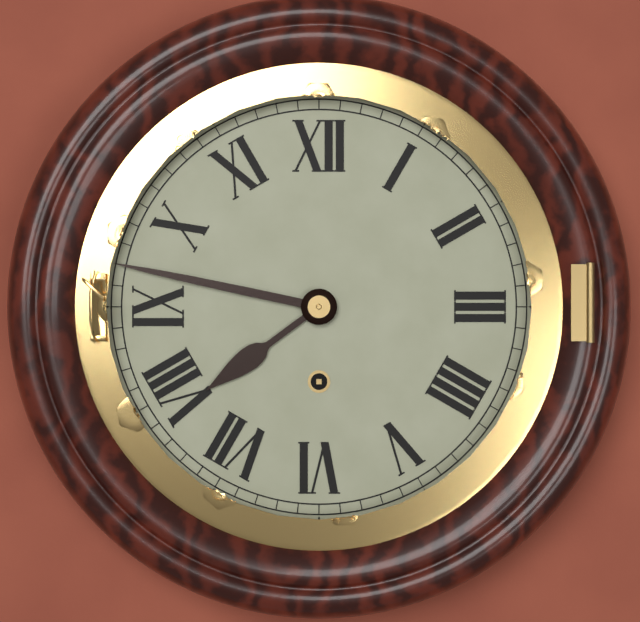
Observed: 7 h 47 min
